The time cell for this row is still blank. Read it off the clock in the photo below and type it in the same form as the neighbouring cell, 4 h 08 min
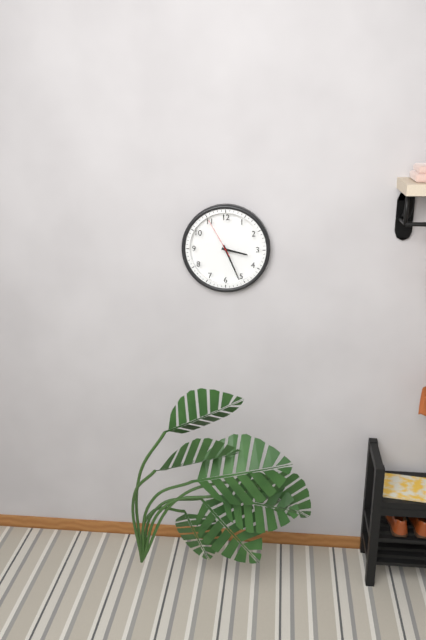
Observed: 3 h 26 min
